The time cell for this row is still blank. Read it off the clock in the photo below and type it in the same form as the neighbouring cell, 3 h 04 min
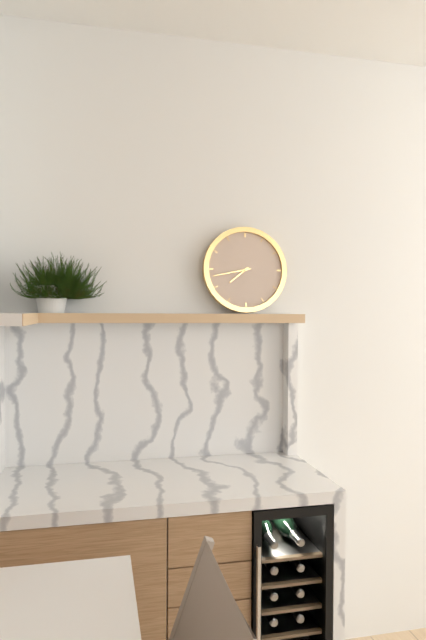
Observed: 7 h 43 min
